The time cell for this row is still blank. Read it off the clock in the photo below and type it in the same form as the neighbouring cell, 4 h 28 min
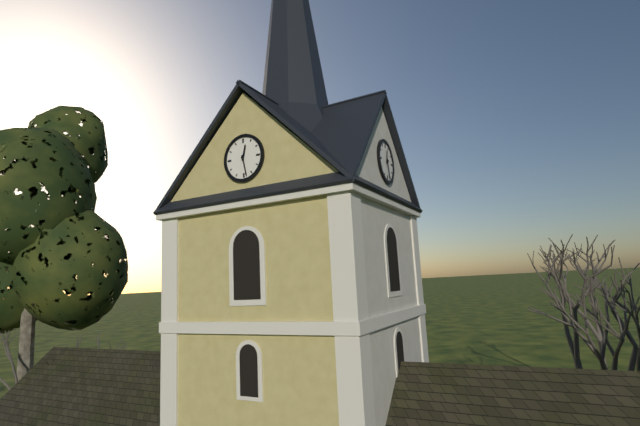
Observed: 12 h 28 min
